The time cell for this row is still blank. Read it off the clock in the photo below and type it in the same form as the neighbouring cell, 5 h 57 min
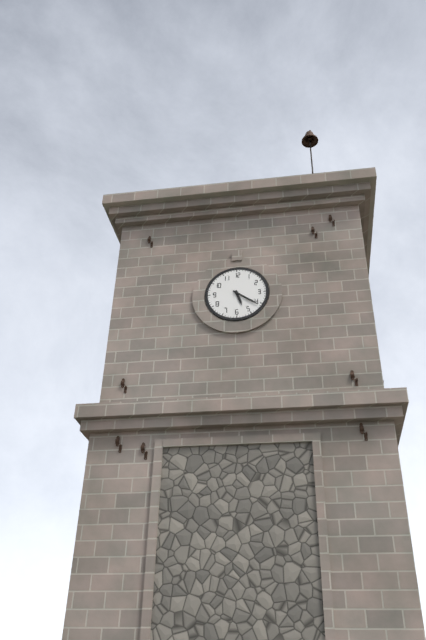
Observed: 5 h 21 min
